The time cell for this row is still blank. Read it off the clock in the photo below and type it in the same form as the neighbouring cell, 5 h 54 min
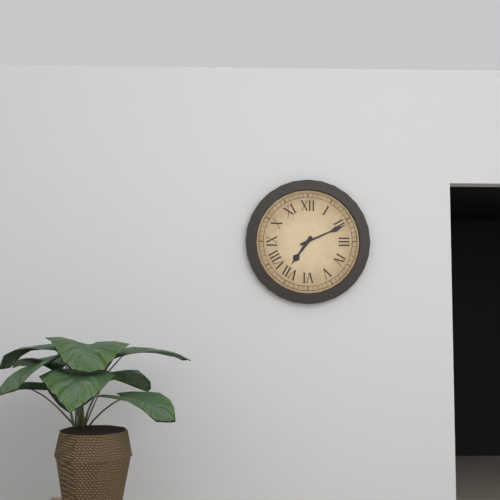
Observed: 7 h 11 min
